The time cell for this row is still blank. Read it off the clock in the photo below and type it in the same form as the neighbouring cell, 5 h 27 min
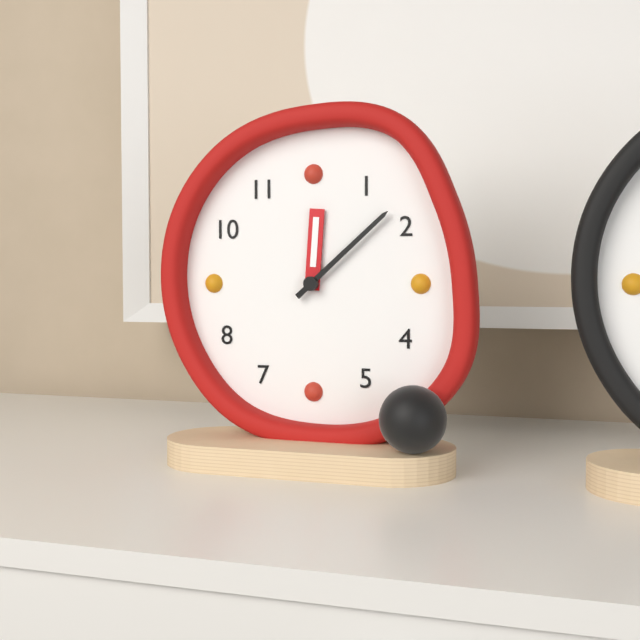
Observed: 12 h 08 min
